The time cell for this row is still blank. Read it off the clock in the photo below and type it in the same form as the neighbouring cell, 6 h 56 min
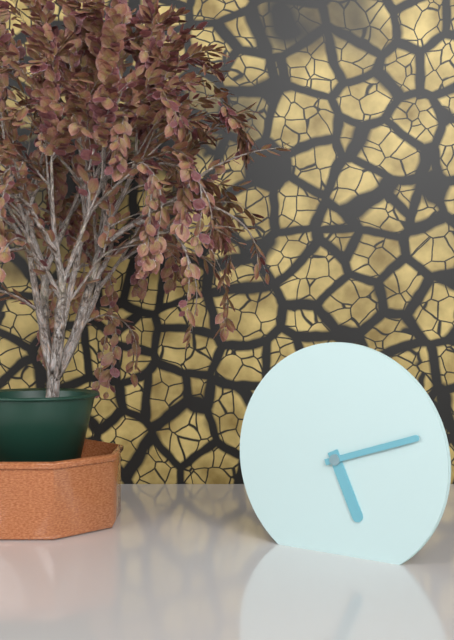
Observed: 5 h 12 min
